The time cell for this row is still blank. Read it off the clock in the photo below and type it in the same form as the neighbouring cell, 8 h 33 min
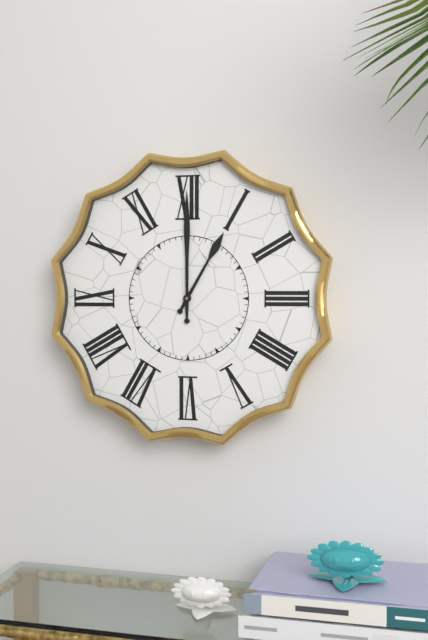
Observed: 1 h 00 min
